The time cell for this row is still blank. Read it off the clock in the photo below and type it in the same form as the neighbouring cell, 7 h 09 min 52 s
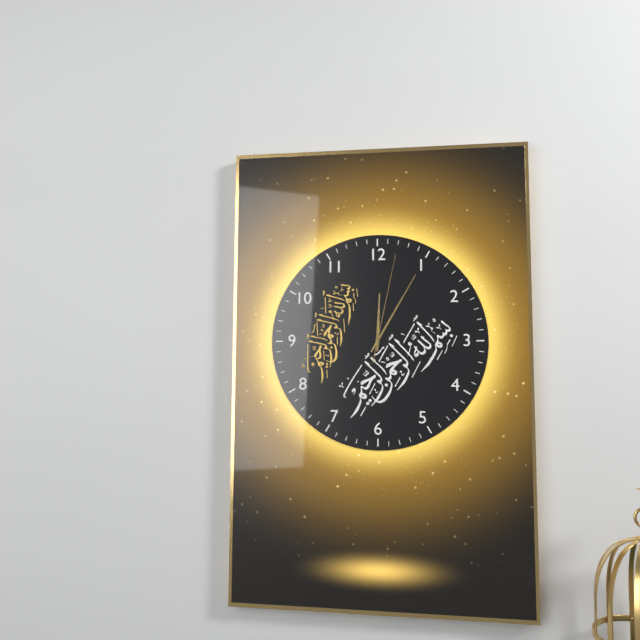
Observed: 12 h 05 min 02 s
